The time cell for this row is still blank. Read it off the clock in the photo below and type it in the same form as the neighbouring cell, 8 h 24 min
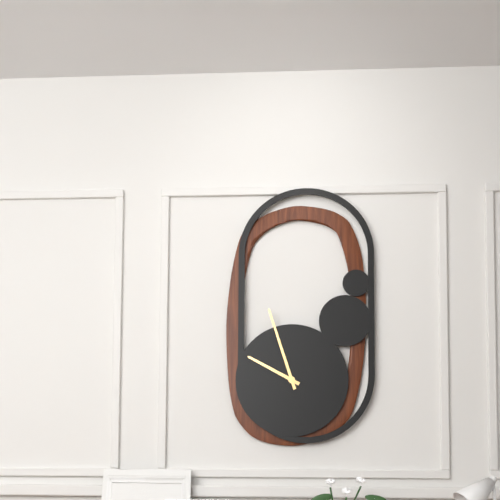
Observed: 9 h 57 min
